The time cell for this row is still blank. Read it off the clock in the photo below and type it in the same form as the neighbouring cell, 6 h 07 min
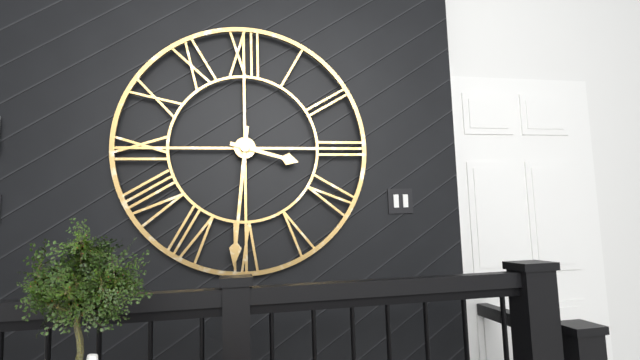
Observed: 3 h 31 min
